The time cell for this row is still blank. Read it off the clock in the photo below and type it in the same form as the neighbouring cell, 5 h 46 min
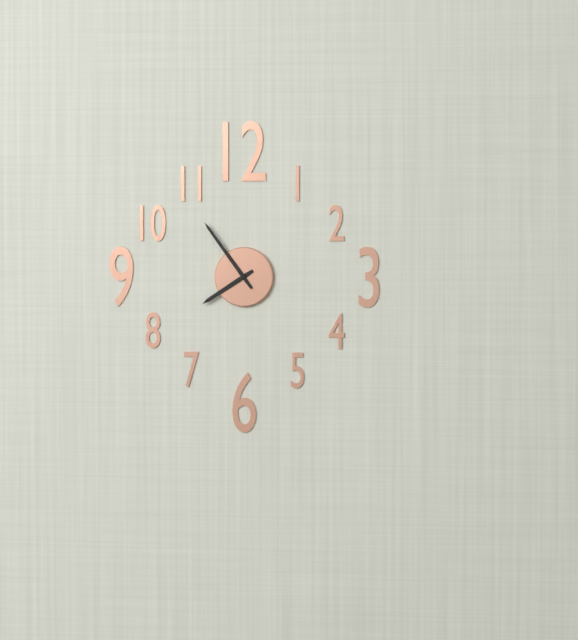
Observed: 7 h 54 min
